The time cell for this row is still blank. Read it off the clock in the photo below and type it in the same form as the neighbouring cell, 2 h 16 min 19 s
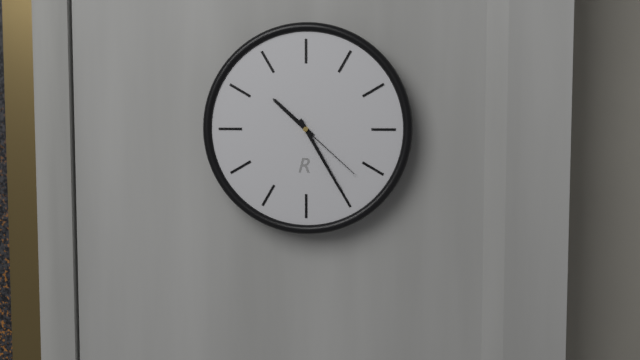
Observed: 10 h 25 min 22 s
